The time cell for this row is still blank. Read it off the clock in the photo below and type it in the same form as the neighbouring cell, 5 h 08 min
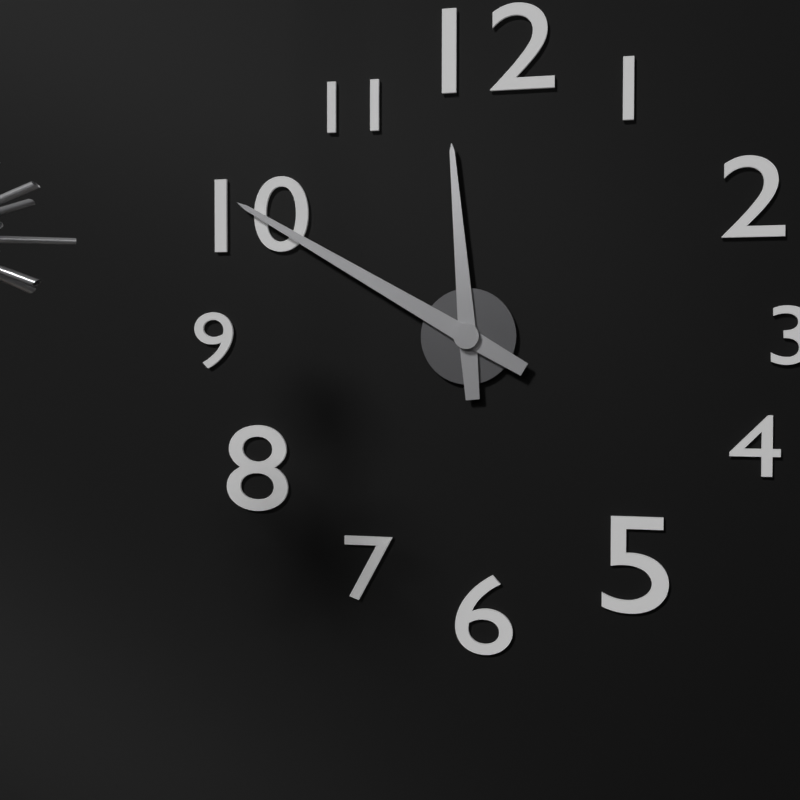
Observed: 11 h 50 min
